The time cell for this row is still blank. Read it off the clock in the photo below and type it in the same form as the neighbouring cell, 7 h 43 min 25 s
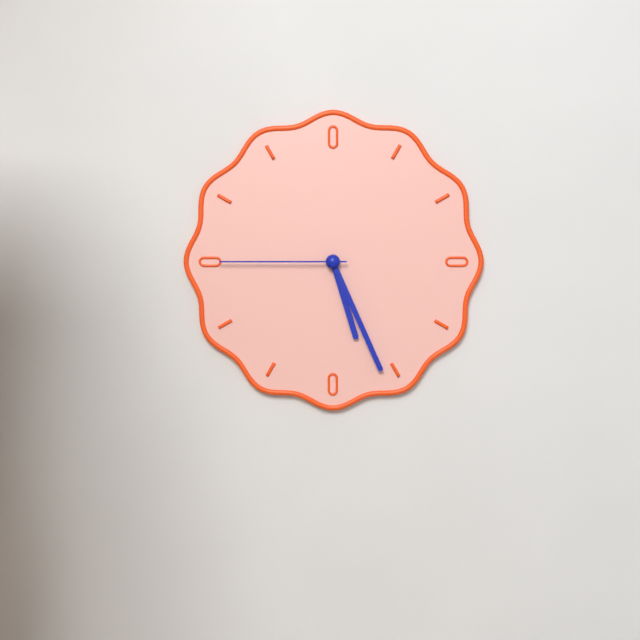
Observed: 5 h 26 min 45 s
